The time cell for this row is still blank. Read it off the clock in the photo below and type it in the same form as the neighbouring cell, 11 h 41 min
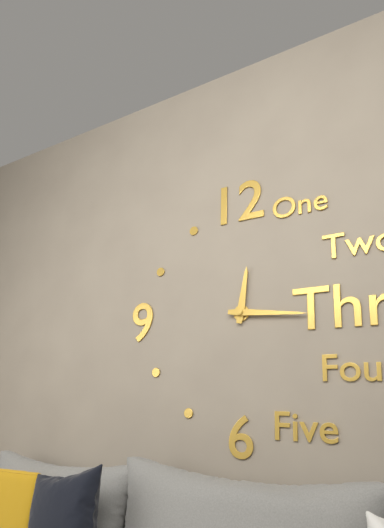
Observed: 12 h 16 min
